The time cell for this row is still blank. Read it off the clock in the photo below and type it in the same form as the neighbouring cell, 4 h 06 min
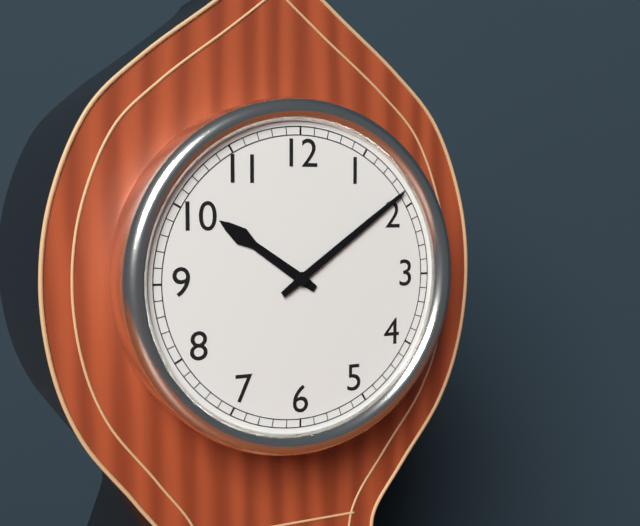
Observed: 10 h 09 min
